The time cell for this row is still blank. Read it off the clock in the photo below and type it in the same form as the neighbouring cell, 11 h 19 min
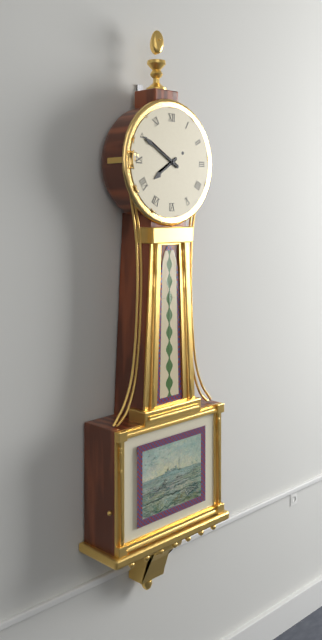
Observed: 7 h 50 min
